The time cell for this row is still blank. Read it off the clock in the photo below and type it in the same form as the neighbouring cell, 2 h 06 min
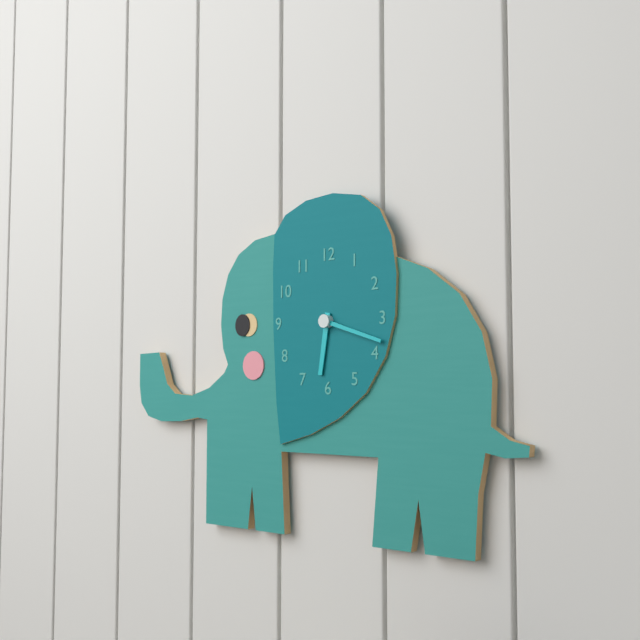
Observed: 6 h 18 min
